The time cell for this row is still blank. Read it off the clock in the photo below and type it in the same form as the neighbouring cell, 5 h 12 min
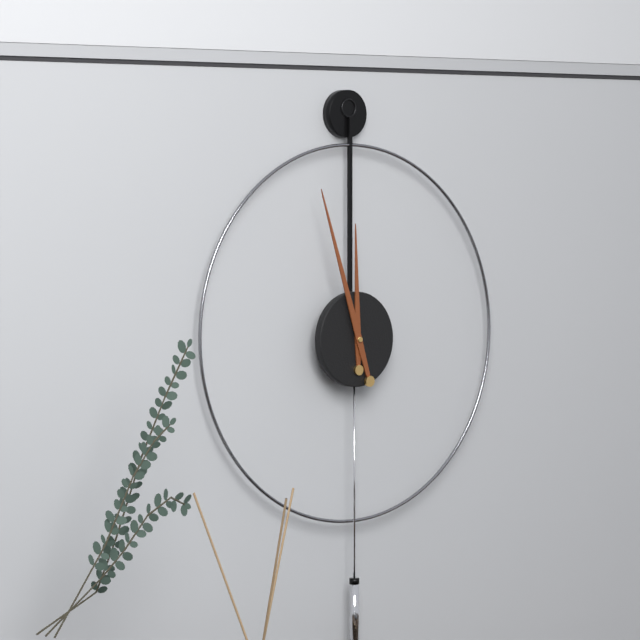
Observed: 11 h 57 min
